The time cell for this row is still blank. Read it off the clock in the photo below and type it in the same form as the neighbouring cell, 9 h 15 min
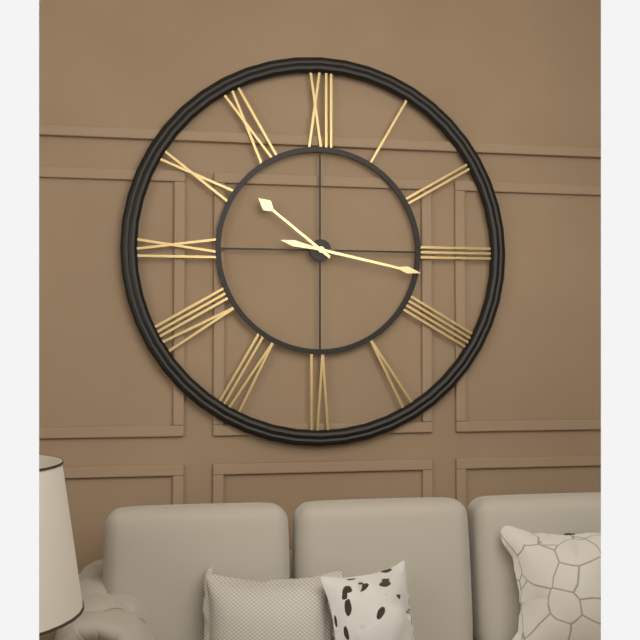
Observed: 10 h 17 min
